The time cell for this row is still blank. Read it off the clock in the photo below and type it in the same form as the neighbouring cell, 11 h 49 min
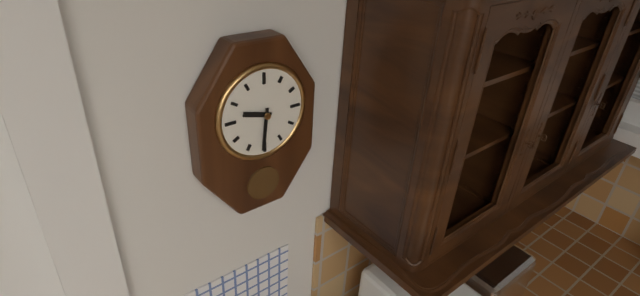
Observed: 9 h 31 min
